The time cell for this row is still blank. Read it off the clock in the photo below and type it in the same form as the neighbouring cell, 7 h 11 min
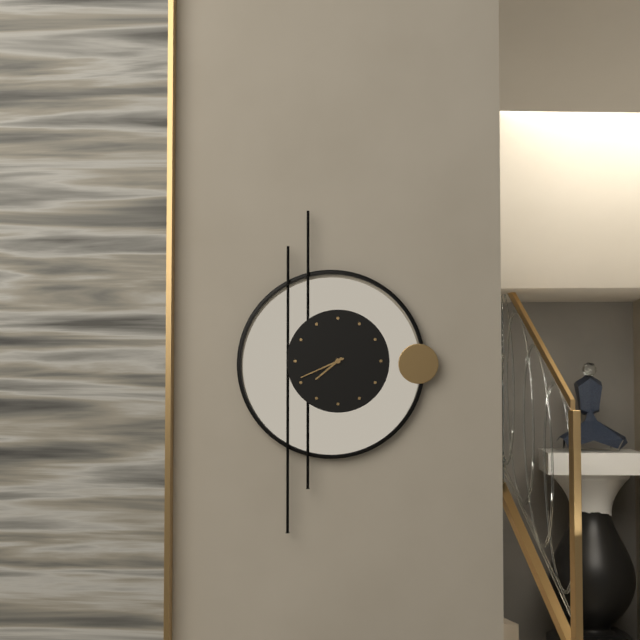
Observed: 7 h 41 min
